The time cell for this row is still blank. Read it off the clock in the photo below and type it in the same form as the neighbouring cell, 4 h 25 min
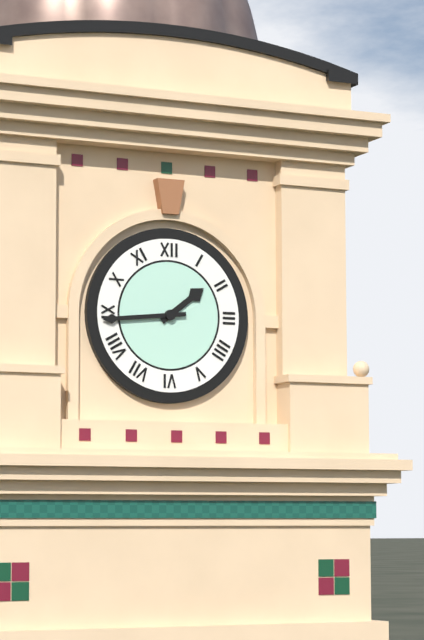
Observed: 1 h 44 min
